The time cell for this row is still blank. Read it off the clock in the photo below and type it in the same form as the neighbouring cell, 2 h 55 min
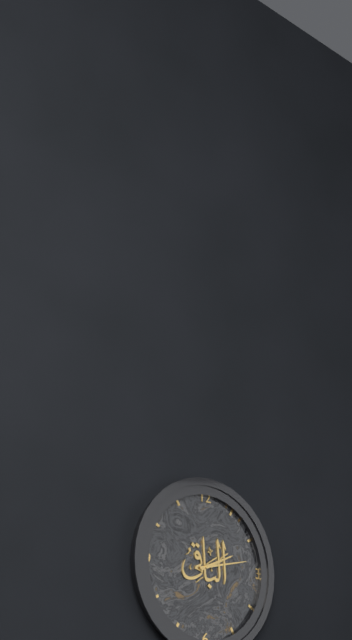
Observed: 2 h 13 min
